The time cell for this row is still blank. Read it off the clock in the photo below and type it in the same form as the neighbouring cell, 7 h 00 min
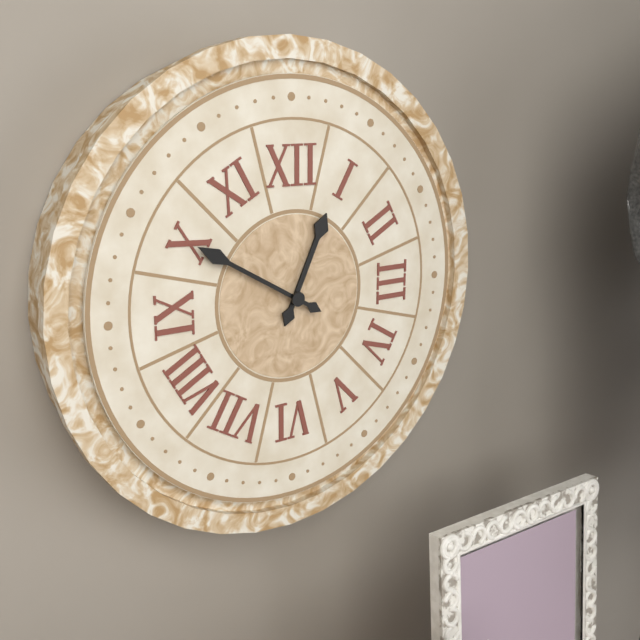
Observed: 12 h 50 min
